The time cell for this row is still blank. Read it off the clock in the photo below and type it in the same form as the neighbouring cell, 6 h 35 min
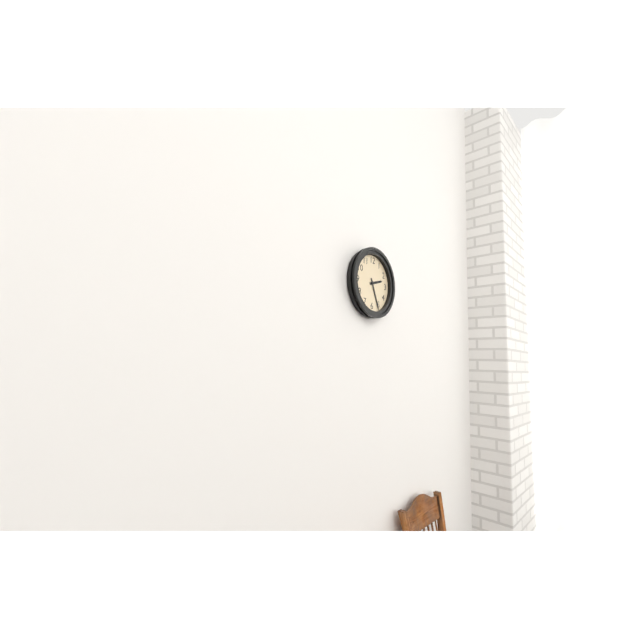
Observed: 2 h 26 min
